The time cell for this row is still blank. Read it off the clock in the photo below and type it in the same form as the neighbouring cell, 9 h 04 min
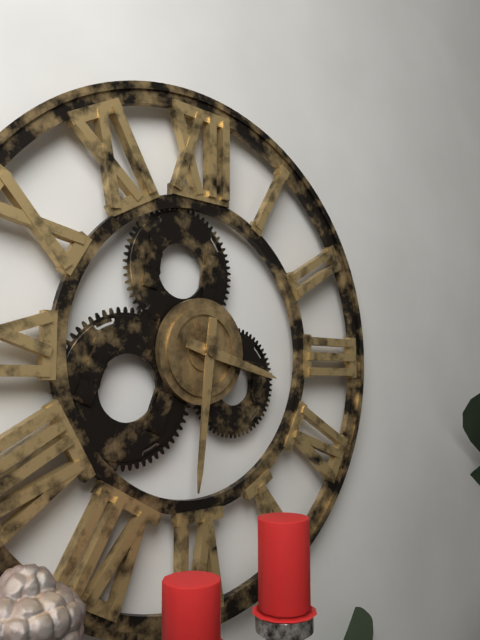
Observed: 3 h 31 min
